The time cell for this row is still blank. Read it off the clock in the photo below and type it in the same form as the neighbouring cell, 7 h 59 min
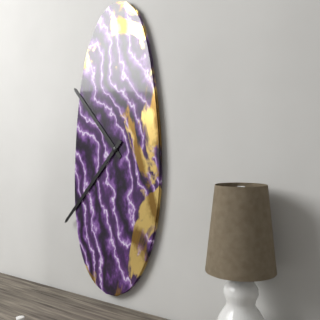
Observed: 10 h 37 min
